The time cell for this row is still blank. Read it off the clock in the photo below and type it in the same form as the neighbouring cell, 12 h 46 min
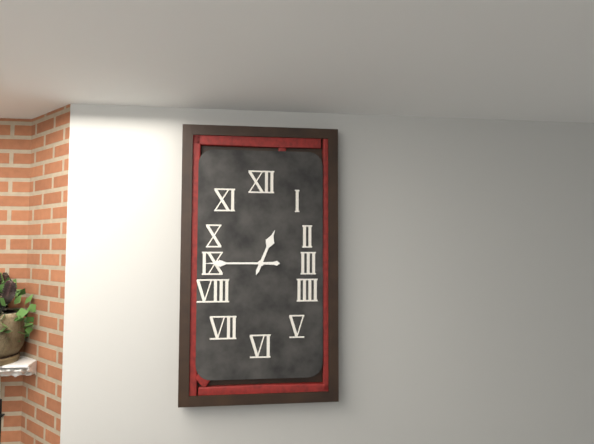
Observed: 12 h 45 min
